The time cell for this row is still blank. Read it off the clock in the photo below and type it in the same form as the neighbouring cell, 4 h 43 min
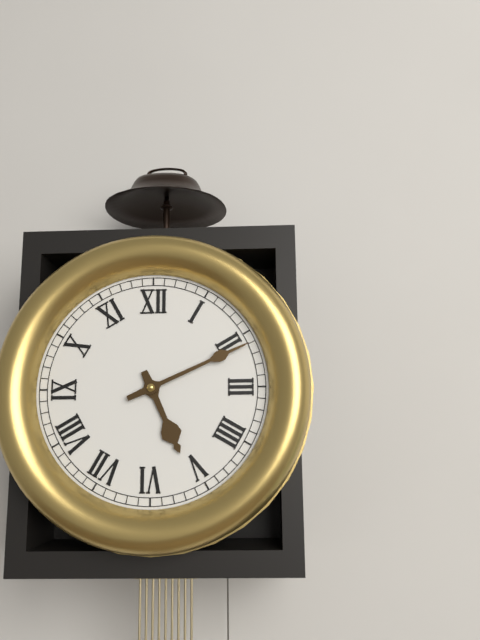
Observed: 5 h 11 min
